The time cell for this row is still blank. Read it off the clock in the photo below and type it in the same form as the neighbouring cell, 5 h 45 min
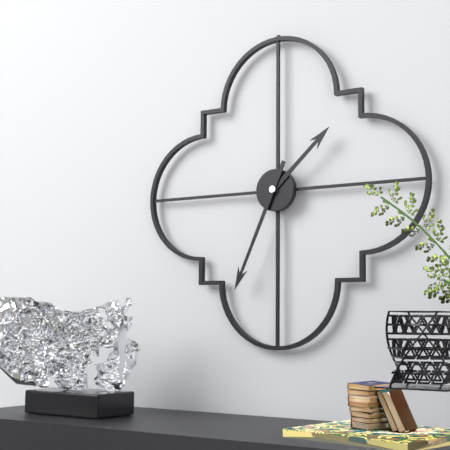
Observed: 1 h 34 min
